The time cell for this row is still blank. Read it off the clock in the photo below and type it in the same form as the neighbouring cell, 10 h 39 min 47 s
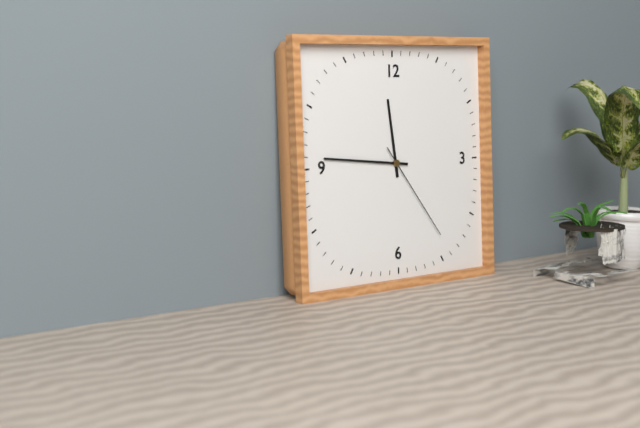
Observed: 11 h 46 min 24 s
